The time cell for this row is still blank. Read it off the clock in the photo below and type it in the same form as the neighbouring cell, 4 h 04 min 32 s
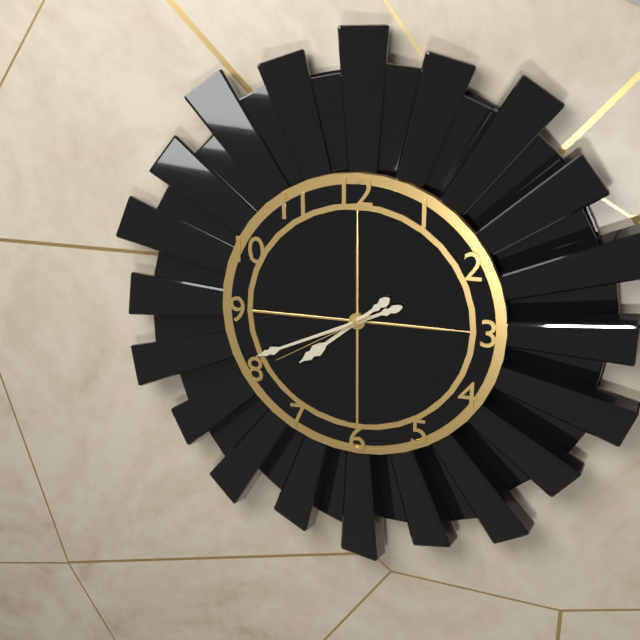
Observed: 7 h 41 min 40 s
